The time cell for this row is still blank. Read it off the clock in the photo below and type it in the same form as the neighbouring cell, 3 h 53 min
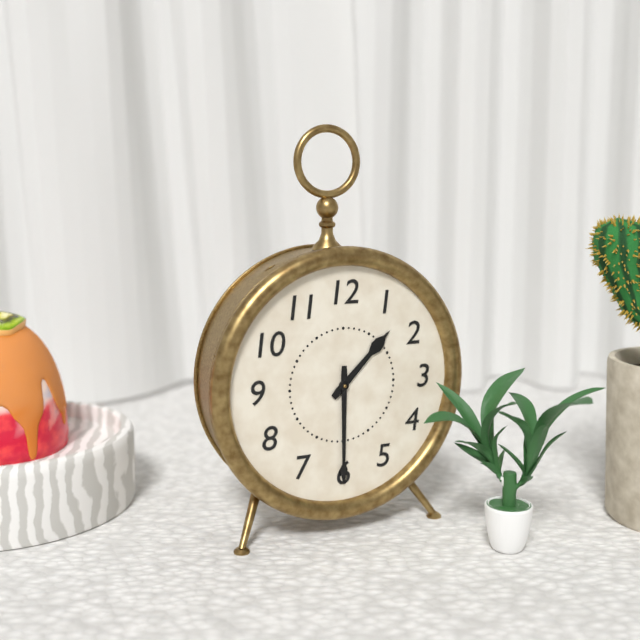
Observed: 1 h 30 min
